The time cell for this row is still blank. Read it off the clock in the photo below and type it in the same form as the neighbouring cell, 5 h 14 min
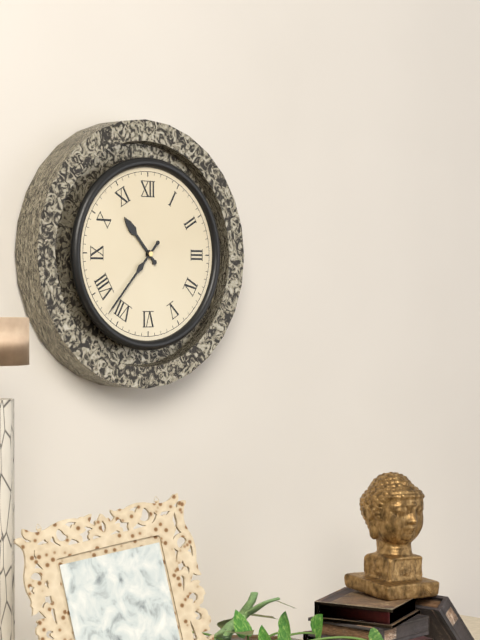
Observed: 10 h 37 min
